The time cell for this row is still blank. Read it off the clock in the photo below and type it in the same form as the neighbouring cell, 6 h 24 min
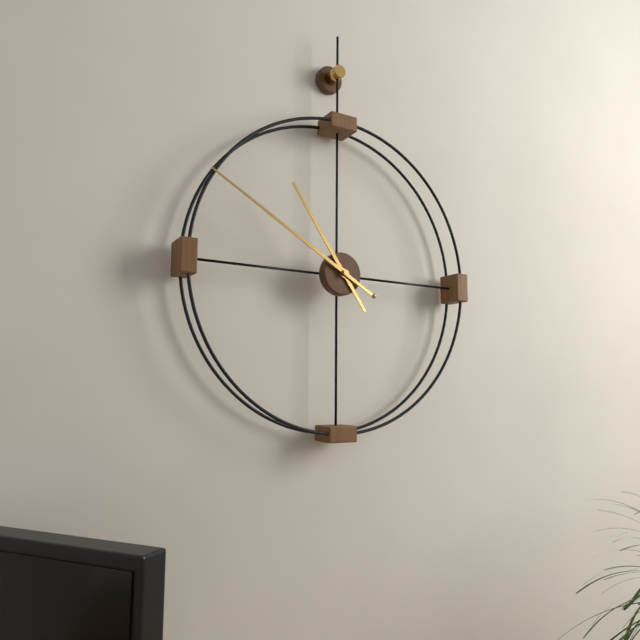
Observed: 10 h 50 min
